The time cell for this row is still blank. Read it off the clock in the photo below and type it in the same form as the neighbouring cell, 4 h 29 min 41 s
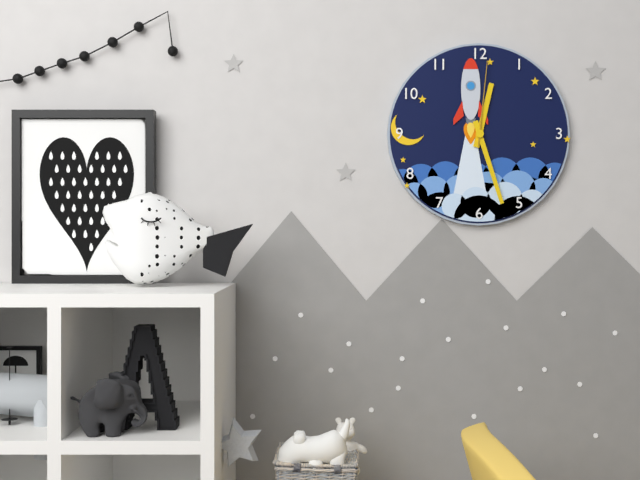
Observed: 12 h 27 min 01 s
